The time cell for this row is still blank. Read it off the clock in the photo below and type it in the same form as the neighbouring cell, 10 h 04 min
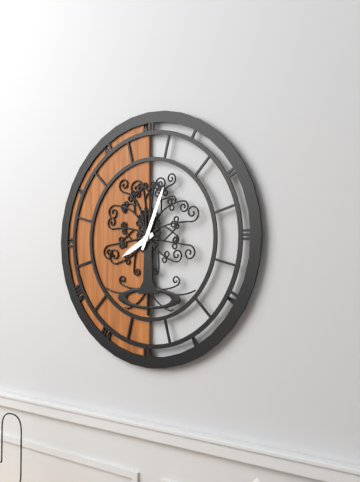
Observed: 8 h 04 min
